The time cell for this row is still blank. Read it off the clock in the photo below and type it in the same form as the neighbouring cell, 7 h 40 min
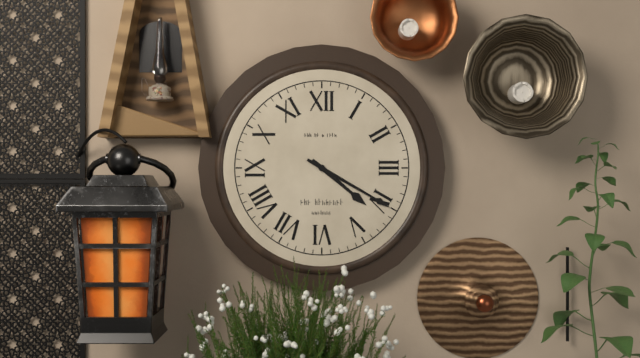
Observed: 4 h 20 min
